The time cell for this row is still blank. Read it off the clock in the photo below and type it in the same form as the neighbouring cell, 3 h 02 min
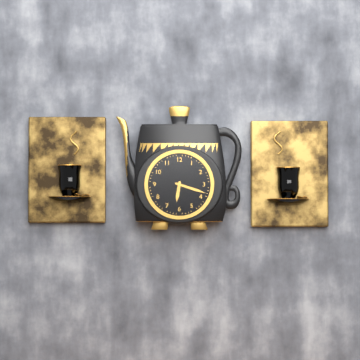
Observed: 6 h 18 min
